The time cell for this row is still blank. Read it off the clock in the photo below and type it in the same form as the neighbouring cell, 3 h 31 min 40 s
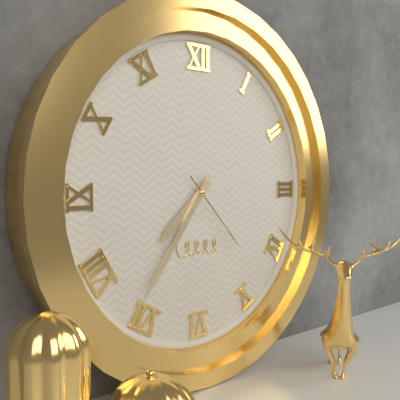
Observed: 7 h 36 min 23 s
